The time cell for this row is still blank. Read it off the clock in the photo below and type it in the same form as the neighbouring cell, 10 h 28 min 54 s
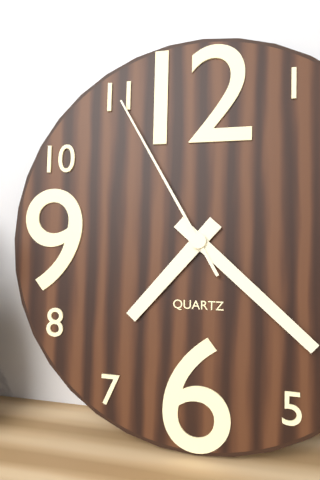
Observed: 7 h 22 min 55 s
